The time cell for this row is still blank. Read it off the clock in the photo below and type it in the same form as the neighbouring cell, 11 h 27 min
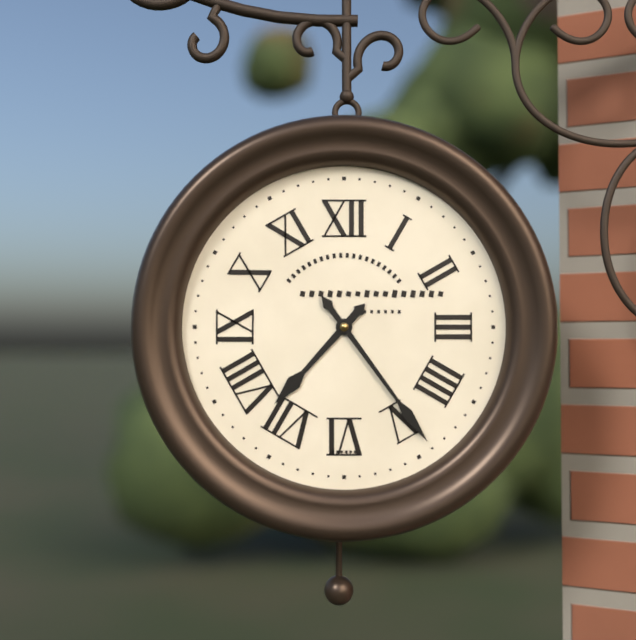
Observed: 7 h 24 min
